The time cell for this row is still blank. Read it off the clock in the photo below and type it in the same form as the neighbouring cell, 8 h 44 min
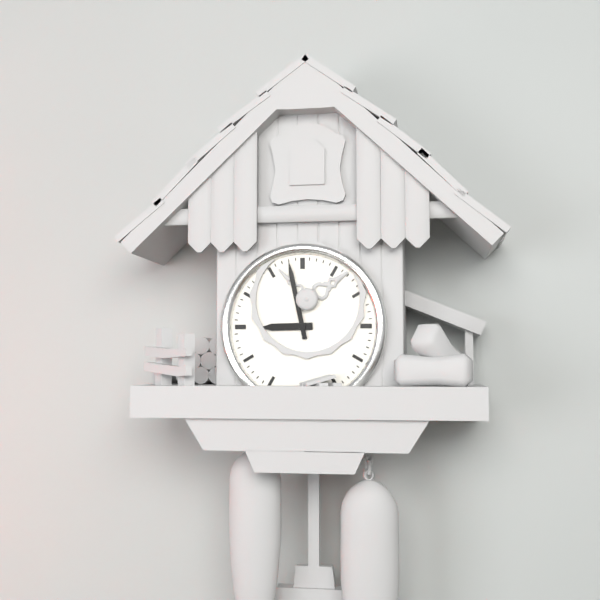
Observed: 8 h 58 min
